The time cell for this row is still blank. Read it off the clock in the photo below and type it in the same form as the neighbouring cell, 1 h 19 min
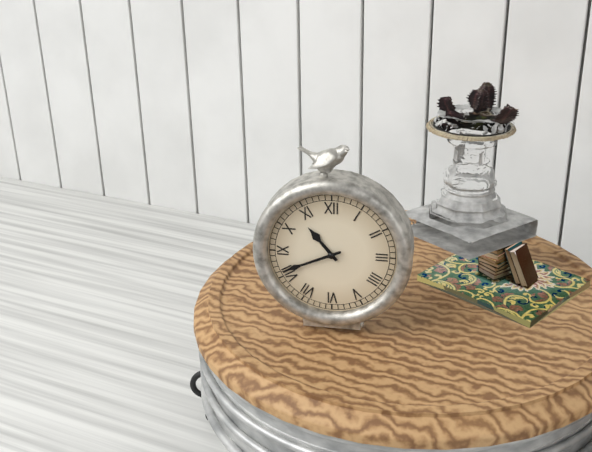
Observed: 10 h 41 min
